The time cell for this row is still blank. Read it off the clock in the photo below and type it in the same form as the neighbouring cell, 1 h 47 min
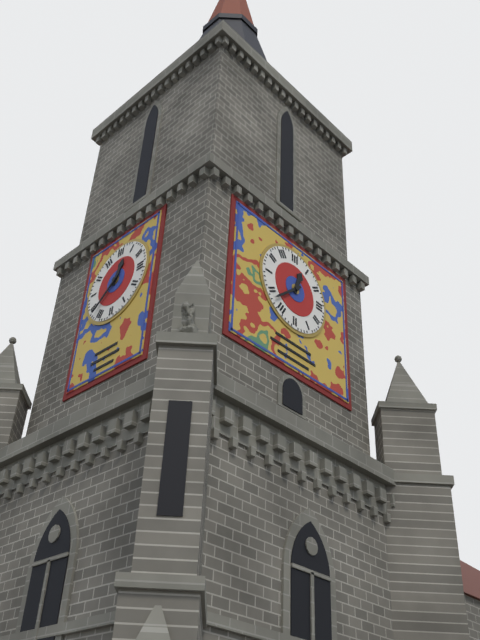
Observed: 12 h 38 min
